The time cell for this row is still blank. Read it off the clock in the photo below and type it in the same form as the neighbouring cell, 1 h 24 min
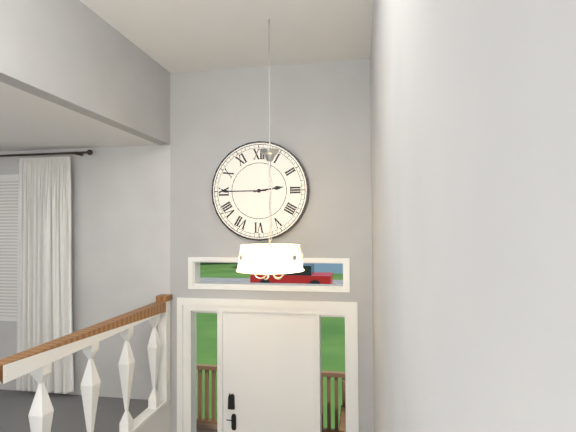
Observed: 2 h 45 min
